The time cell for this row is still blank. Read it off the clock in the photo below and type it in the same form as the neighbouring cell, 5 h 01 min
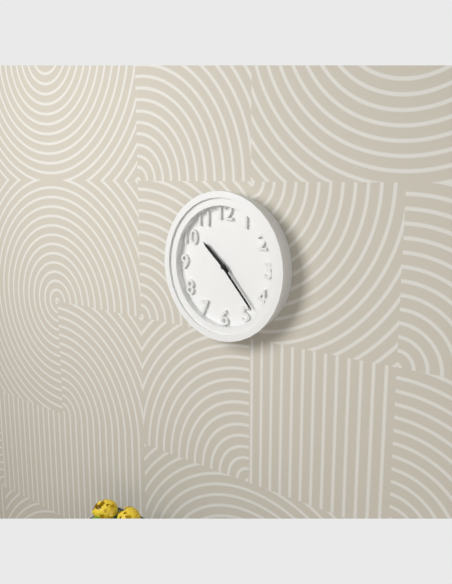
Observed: 10 h 23 min
